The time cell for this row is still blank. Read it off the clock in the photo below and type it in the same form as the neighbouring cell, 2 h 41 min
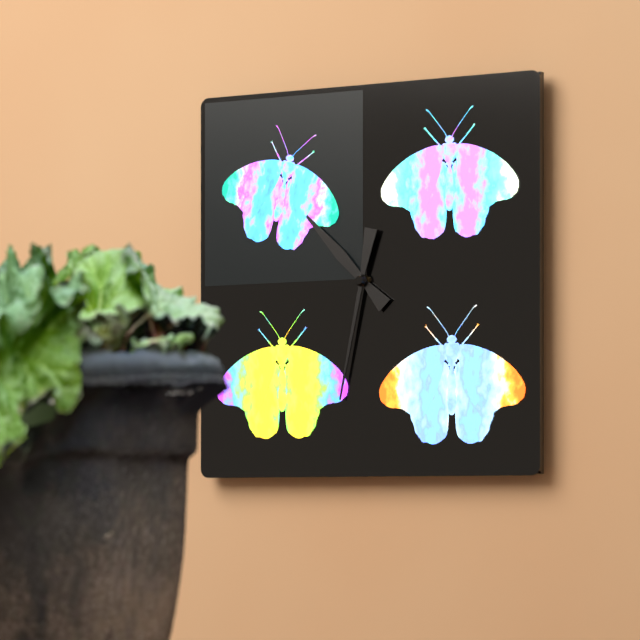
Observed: 10 h 32 min
